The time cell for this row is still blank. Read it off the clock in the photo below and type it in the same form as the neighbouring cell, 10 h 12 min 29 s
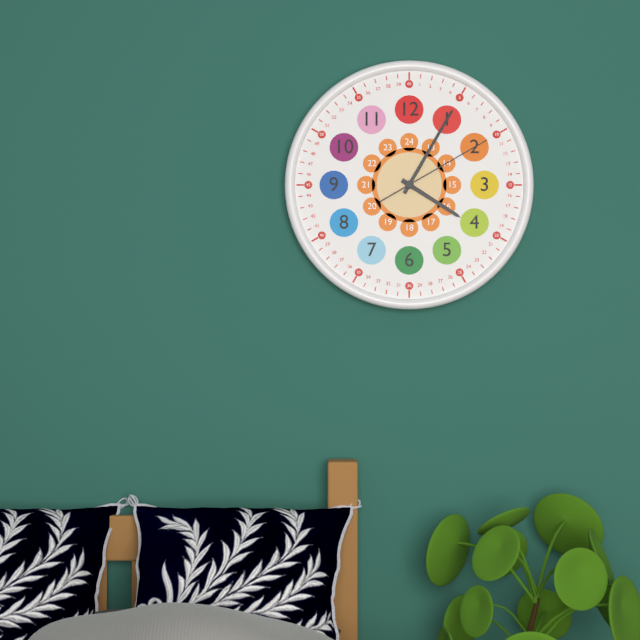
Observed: 4 h 05 min 10 s
